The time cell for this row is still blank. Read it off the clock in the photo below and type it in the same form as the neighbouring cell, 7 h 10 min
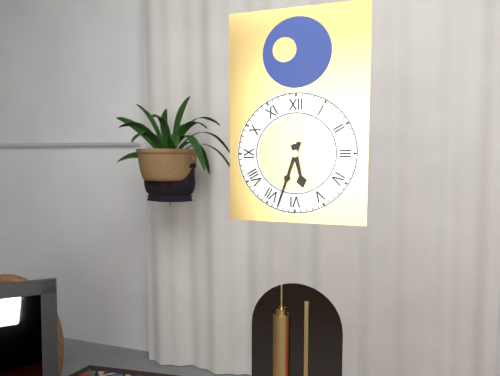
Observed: 5 h 33 min
